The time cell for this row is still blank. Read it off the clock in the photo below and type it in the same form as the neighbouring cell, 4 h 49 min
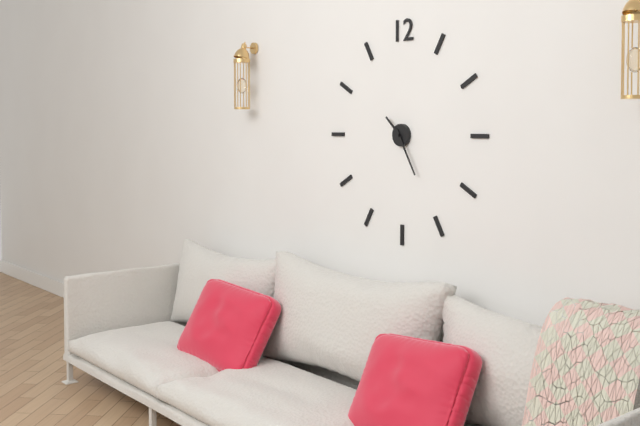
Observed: 10 h 25 min
